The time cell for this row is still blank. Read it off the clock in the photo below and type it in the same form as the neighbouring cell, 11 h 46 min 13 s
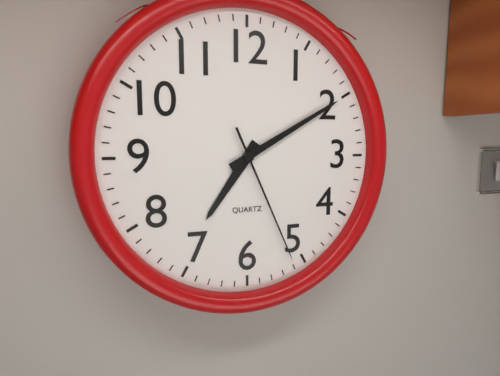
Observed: 7 h 10 min 26 s
